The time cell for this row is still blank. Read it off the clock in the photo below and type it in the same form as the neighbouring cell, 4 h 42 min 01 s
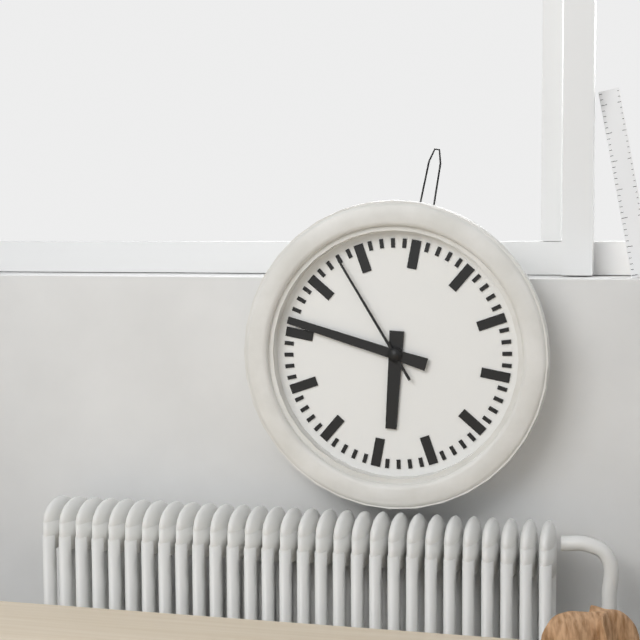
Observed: 5 h 46 min 53 s
